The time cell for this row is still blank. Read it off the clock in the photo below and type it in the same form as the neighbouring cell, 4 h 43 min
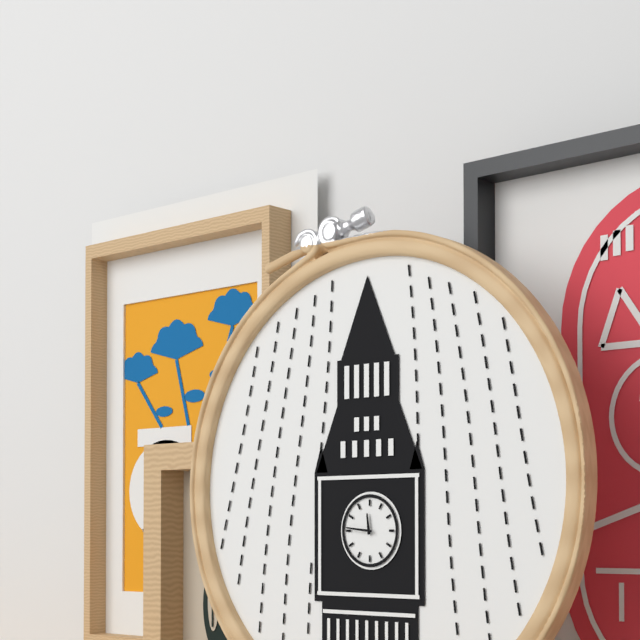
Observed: 11 h 46 min
